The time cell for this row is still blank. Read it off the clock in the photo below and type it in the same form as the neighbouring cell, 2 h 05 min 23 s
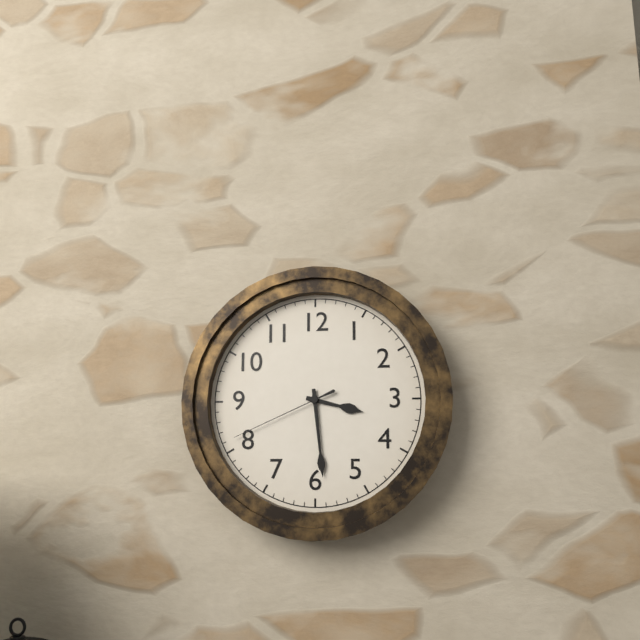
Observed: 3 h 29 min 41 s
